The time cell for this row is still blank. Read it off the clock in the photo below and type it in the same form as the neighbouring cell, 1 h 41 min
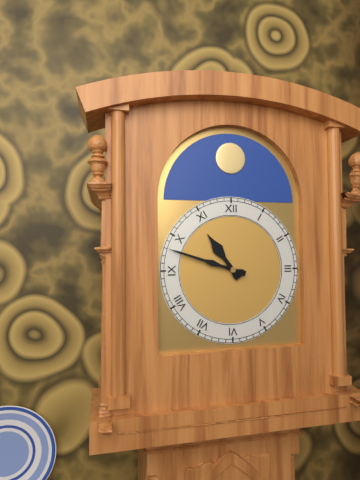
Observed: 10 h 48 min
